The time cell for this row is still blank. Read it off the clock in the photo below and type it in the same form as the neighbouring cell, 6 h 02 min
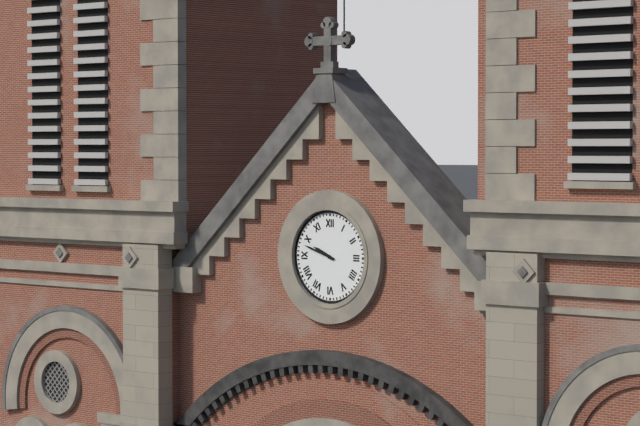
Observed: 9 h 48 min
